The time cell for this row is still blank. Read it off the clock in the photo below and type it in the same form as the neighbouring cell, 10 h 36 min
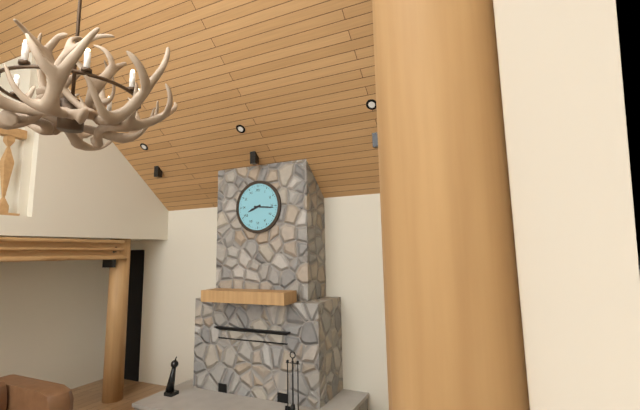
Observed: 8 h 16 min
